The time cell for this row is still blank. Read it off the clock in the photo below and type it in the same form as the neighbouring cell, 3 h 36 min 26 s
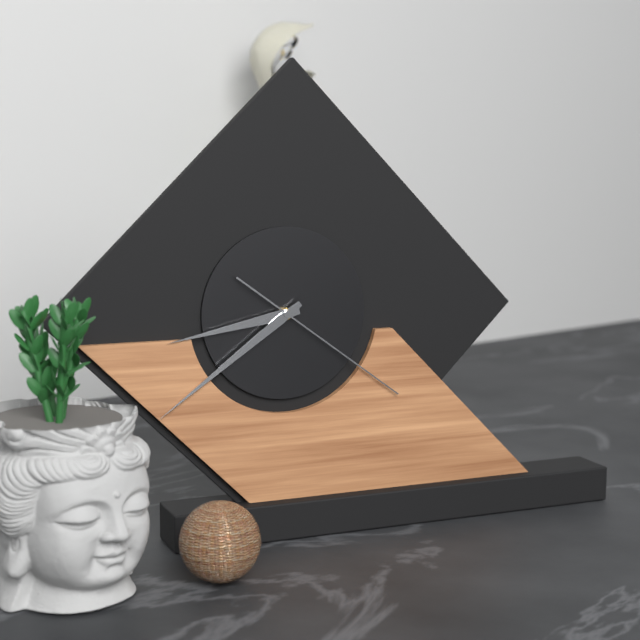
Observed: 8 h 39 min 21 s
